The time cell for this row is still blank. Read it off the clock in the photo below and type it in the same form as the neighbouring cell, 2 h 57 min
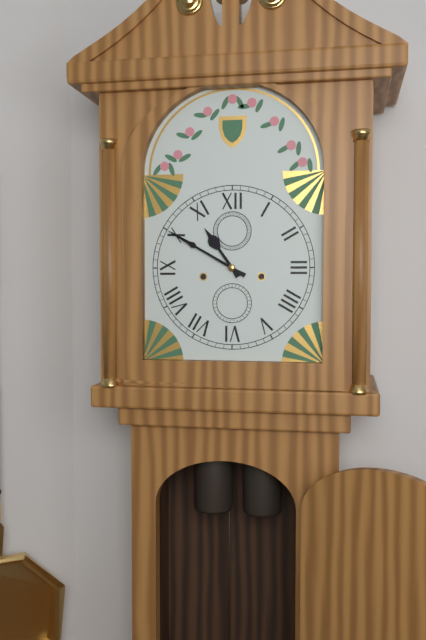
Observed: 10 h 50 min
